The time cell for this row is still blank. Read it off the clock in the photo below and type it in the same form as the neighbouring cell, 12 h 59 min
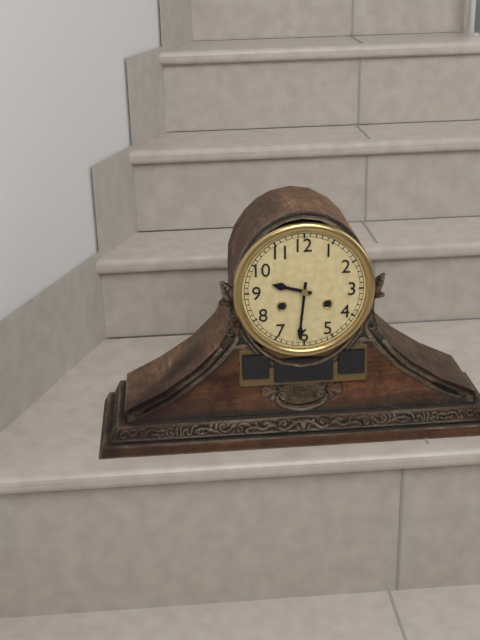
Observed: 9 h 31 min
